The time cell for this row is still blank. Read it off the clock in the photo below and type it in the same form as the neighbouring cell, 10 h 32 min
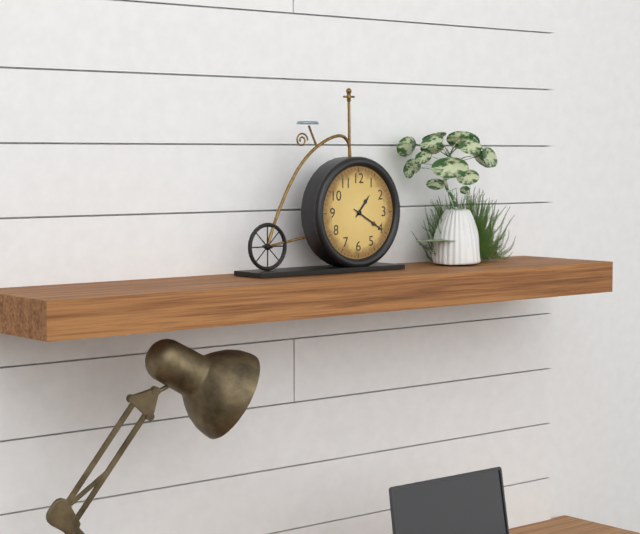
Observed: 1 h 20 min
